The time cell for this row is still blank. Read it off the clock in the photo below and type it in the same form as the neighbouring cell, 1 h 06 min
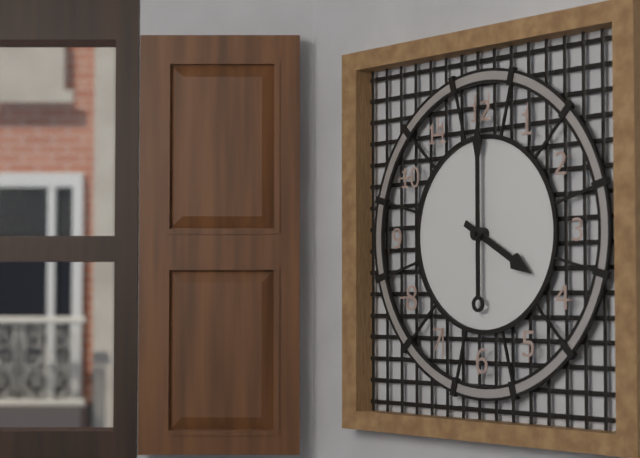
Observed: 4 h 00 min
